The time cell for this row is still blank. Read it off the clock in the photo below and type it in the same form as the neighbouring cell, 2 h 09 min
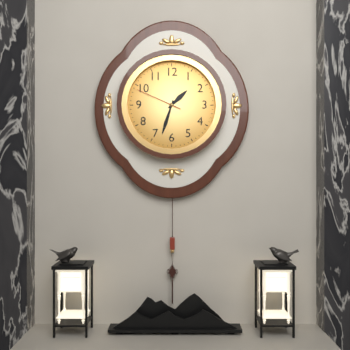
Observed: 1 h 33 min
